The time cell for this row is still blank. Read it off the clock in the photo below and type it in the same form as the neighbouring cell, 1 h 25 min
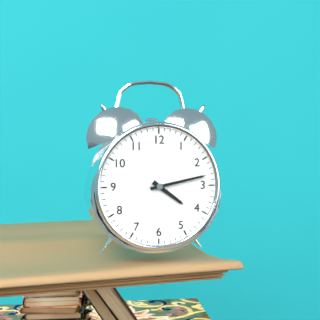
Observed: 4 h 13 min
